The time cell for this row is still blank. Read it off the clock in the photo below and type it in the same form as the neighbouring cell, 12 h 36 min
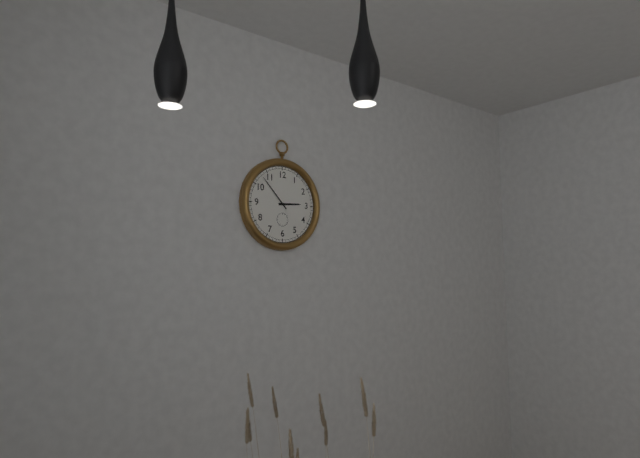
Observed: 2 h 53 min
